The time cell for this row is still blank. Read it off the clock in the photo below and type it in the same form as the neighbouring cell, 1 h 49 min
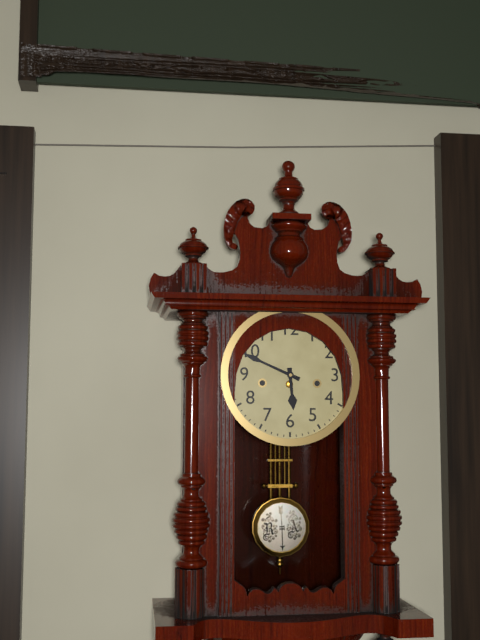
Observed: 5 h 49 min
